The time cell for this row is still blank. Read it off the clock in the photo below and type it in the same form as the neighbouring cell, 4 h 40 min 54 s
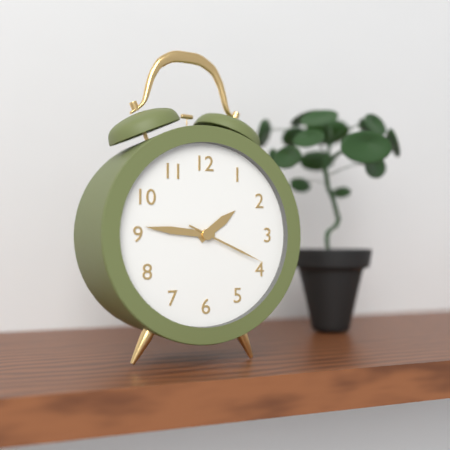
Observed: 1 h 46 min 19 s
